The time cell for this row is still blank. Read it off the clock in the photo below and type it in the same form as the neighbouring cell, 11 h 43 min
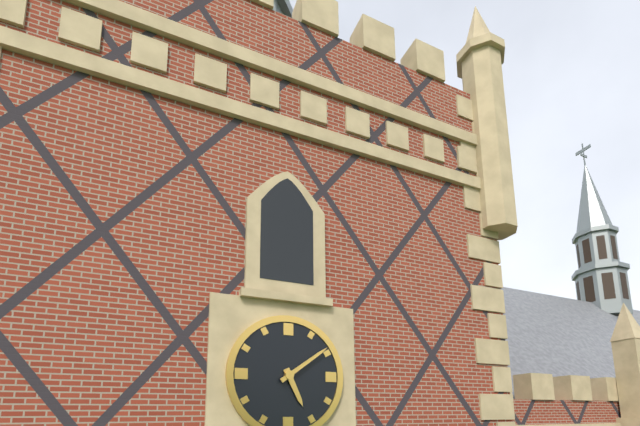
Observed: 5 h 09 min
